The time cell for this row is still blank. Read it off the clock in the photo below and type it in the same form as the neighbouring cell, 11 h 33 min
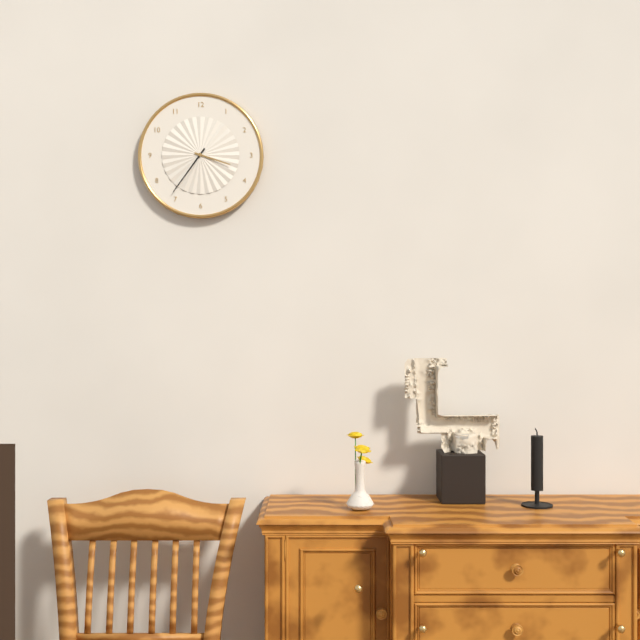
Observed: 3 h 36 min
